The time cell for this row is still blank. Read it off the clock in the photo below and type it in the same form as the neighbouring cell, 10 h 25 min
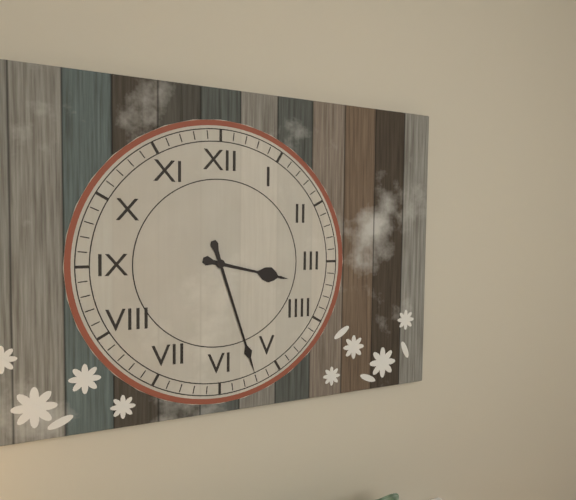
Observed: 3 h 27 min
